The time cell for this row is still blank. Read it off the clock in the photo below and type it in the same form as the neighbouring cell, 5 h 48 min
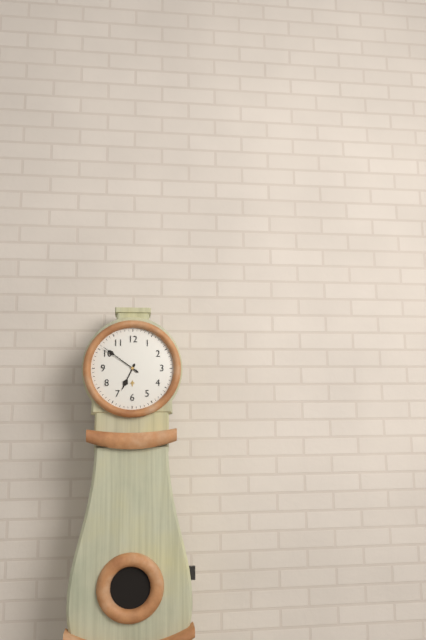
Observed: 6 h 51 min
